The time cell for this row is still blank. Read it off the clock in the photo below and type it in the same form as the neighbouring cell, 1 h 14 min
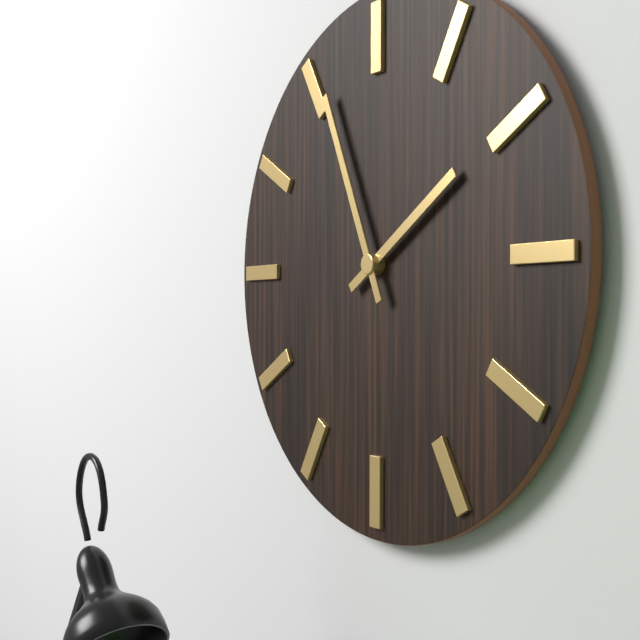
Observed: 1 h 56 min
